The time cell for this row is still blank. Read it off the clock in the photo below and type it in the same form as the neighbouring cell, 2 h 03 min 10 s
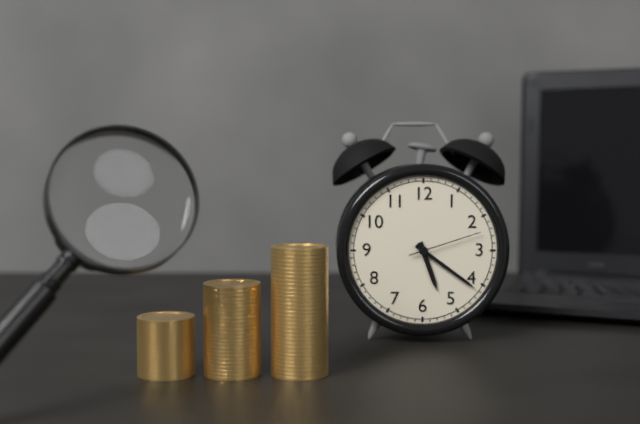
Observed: 5 h 21 min 12 s
